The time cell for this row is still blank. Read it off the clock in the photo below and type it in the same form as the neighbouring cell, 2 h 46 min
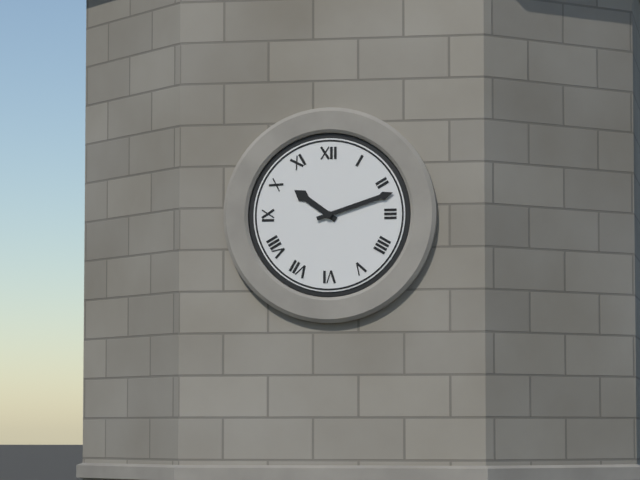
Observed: 10 h 12 min
